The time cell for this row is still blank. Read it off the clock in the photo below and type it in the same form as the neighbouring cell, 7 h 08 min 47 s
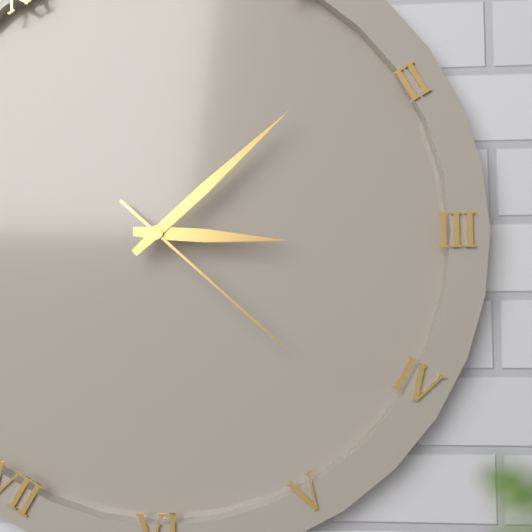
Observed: 3 h 08 min 22 s
